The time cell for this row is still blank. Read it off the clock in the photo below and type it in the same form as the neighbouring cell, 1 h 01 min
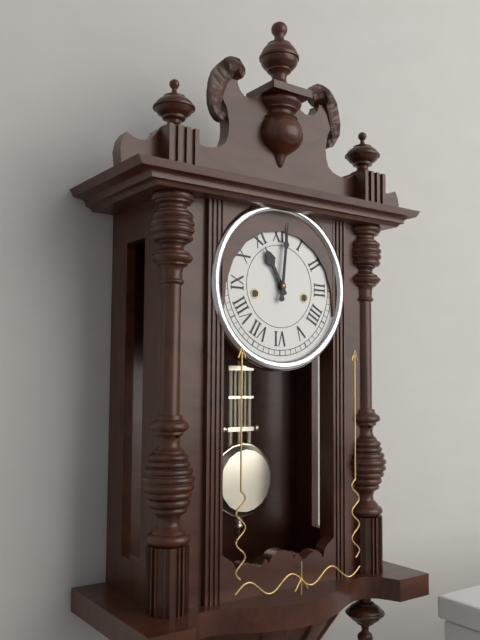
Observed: 11 h 01 min
